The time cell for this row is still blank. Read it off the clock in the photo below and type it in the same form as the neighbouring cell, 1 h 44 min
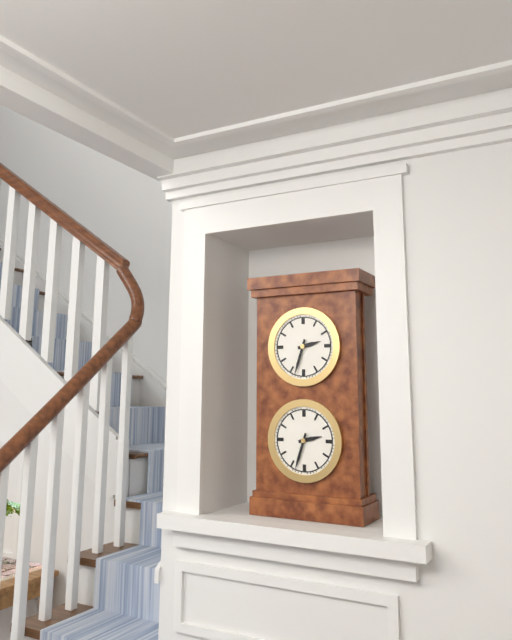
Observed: 2 h 33 min
